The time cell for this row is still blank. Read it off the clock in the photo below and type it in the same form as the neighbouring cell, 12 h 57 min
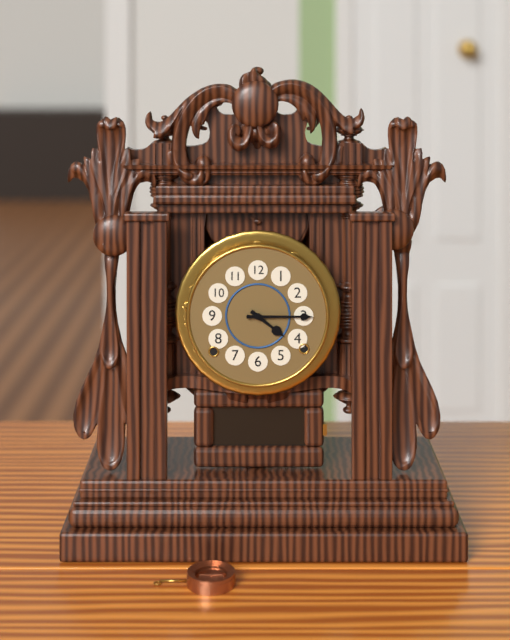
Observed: 4 h 15 min
